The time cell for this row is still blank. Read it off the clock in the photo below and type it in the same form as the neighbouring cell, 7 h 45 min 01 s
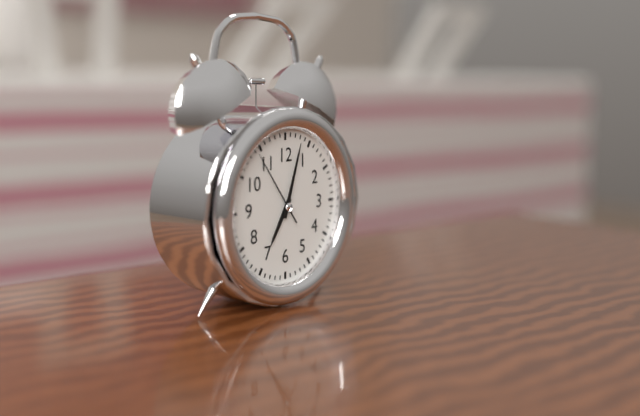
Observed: 7 h 03 min 54 s
